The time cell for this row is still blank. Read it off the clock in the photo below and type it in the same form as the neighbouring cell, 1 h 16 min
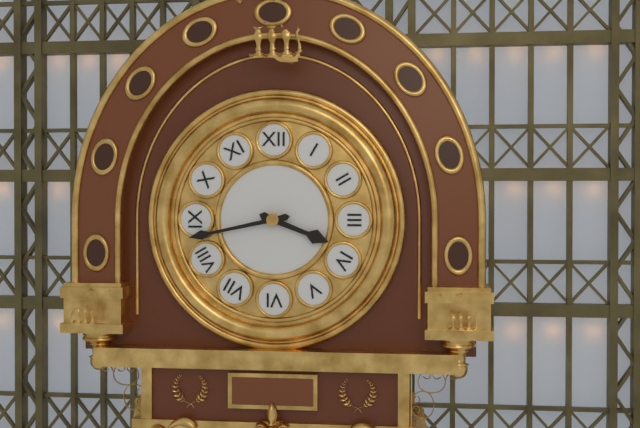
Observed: 3 h 43 min
